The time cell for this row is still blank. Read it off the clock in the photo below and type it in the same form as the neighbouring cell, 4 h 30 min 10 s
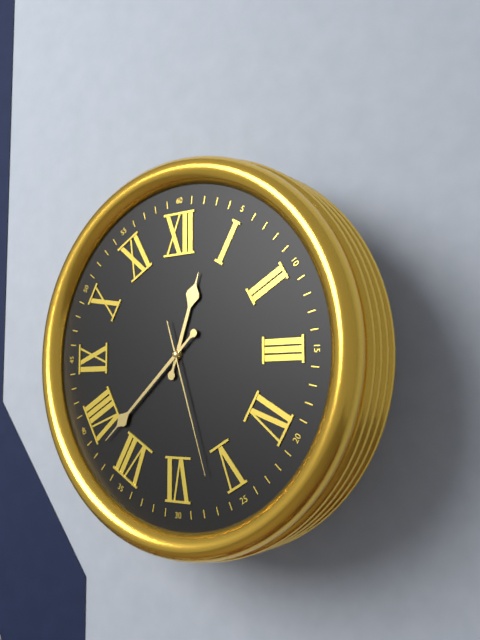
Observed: 12 h 38 min 27 s
